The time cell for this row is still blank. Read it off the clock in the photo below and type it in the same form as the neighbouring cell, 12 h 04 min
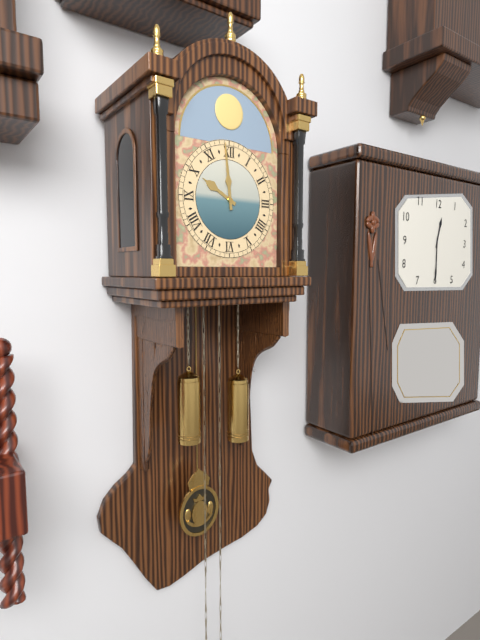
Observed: 9 h 59 min
